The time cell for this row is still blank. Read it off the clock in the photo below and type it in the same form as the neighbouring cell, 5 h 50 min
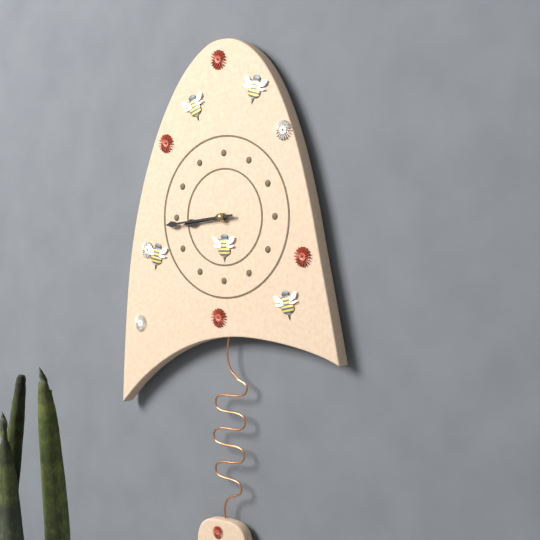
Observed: 8 h 44 min
